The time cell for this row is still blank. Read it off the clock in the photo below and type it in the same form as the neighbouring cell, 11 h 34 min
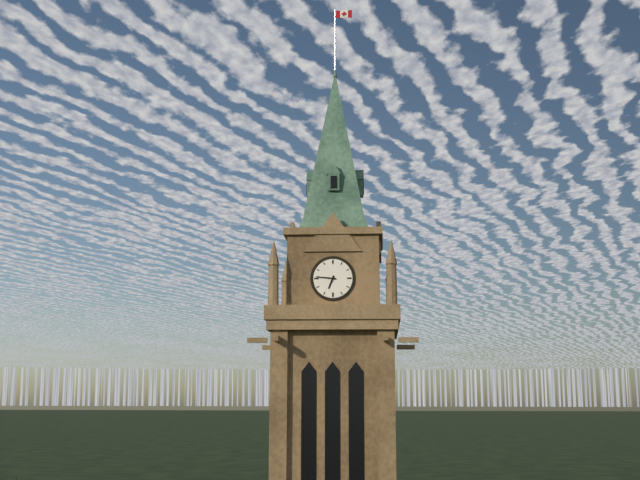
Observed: 6 h 46 min
